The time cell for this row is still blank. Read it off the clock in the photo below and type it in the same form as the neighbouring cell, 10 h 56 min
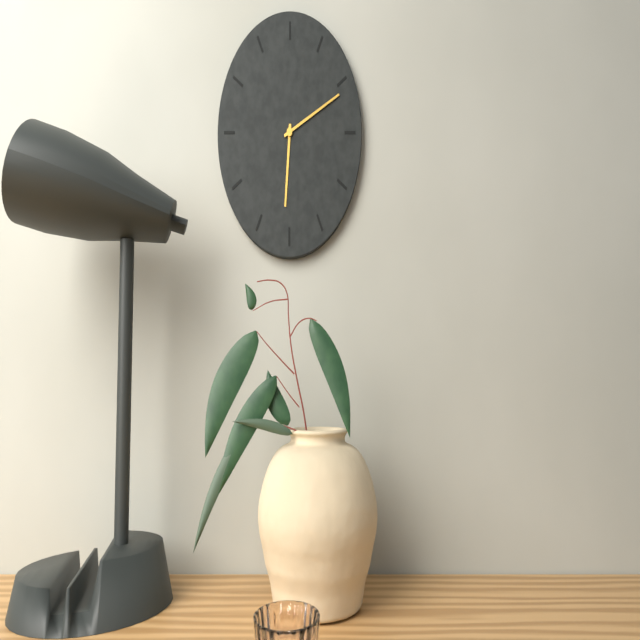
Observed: 6 h 11 min
